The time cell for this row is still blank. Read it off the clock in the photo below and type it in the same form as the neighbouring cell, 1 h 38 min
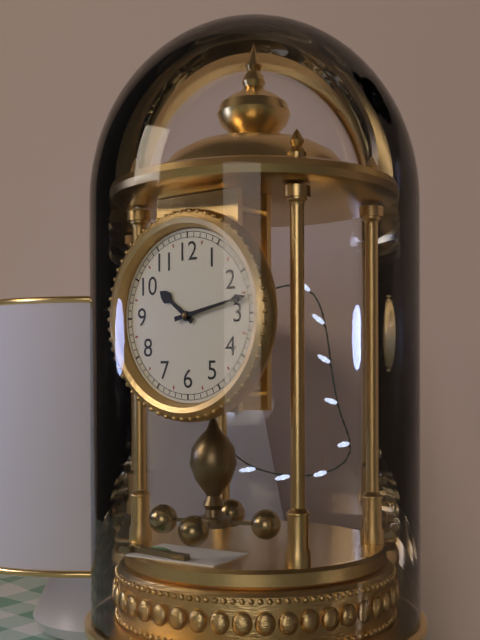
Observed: 10 h 13 min
